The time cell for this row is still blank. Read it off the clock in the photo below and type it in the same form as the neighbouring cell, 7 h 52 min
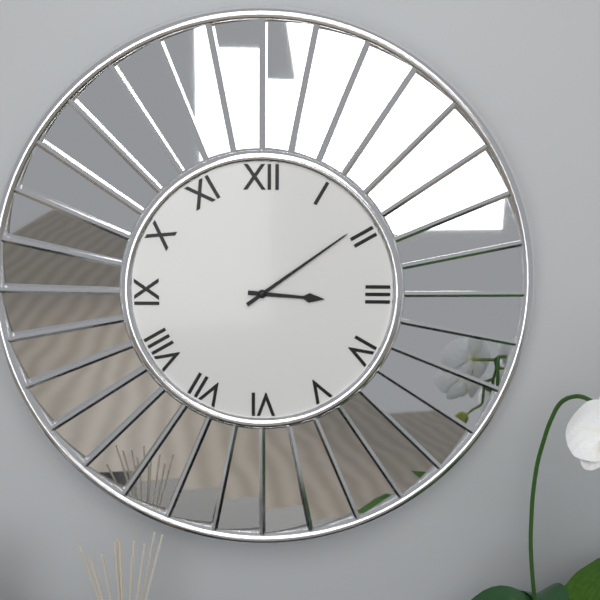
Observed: 3 h 09 min
